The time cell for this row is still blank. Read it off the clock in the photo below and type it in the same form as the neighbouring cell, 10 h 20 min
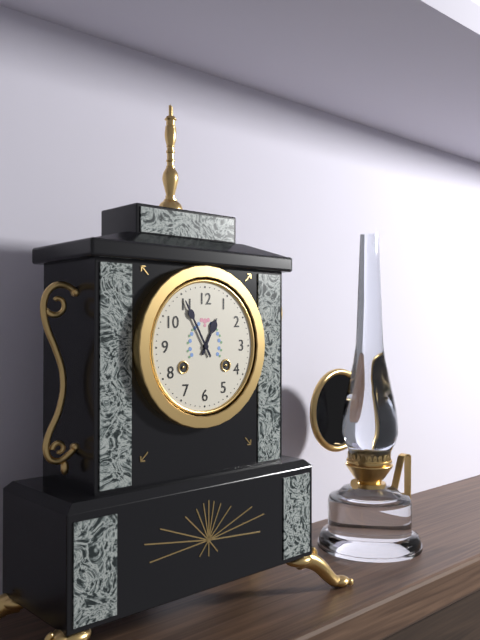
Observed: 12 h 55 min
